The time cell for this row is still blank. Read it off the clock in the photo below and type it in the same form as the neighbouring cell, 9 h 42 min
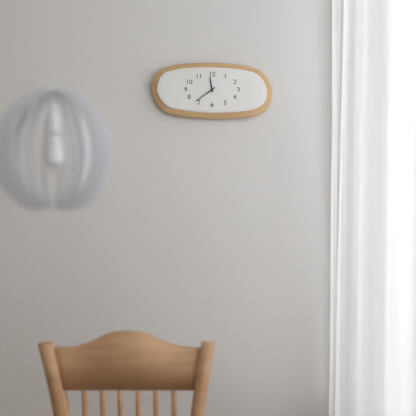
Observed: 11 h 39 min
